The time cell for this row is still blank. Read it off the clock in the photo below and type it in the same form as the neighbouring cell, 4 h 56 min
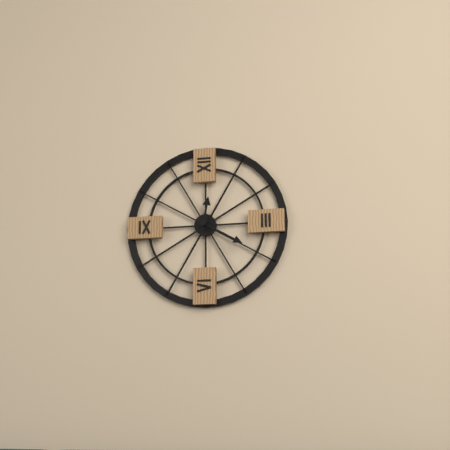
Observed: 12 h 20 min
